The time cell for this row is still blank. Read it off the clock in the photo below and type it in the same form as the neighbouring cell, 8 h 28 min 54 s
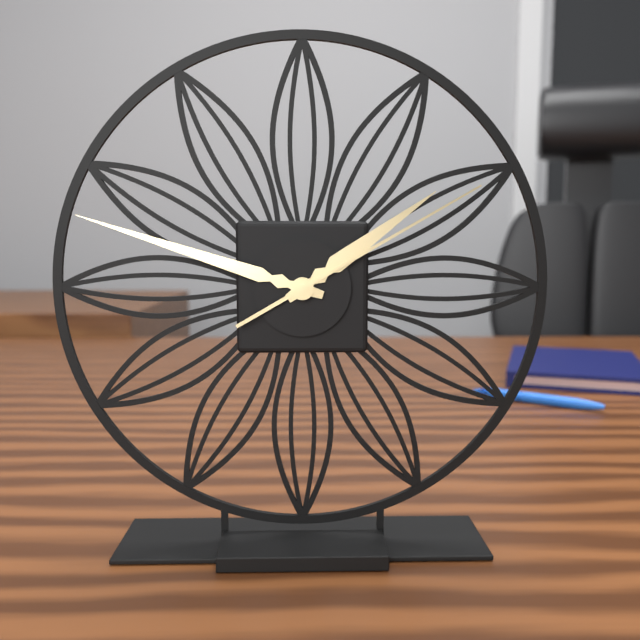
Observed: 1 h 48 min 10 s
